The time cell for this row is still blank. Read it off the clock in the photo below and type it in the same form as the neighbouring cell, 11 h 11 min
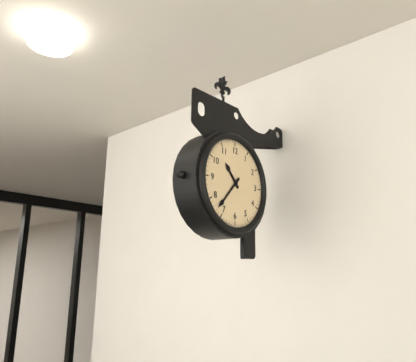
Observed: 10 h 37 min
